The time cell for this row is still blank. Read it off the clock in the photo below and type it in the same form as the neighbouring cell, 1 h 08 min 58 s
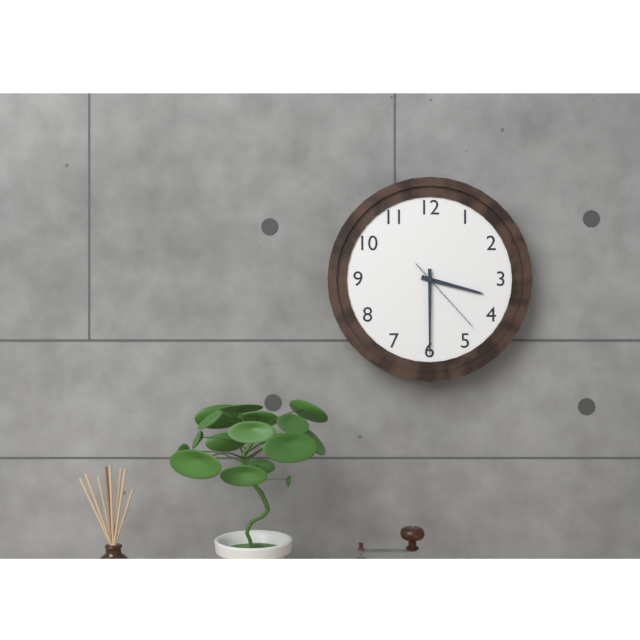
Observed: 3 h 30 min 23 s
